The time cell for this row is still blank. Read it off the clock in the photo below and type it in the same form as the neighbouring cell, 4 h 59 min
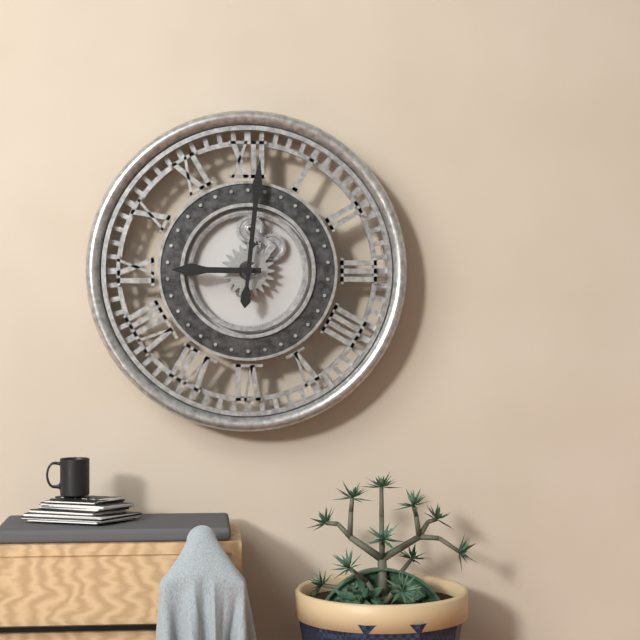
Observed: 9 h 01 min
